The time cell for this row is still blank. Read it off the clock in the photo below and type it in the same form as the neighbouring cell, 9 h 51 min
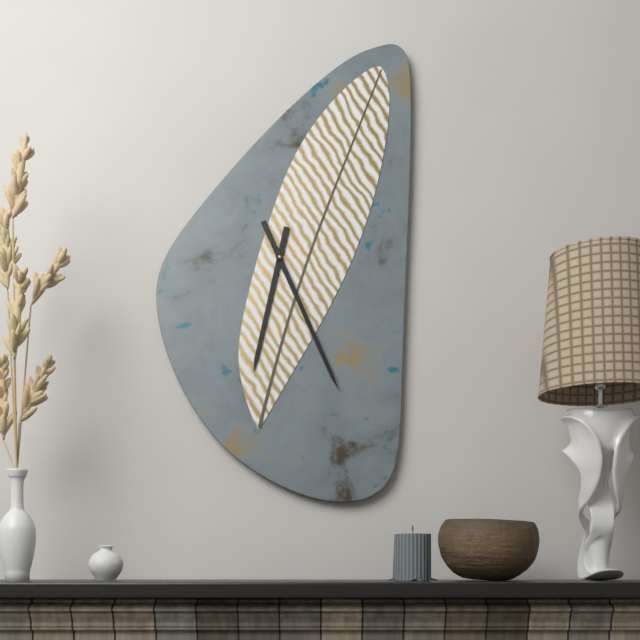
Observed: 6 h 26 min
